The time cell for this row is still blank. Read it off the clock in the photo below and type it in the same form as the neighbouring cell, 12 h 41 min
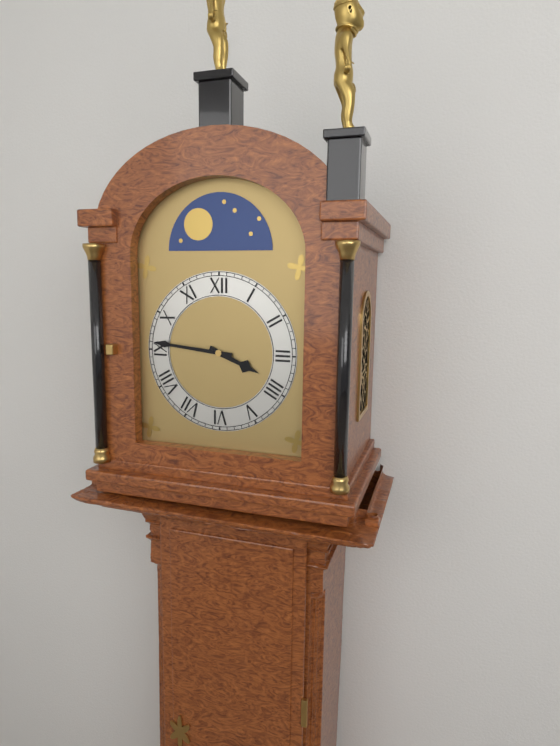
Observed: 3 h 46 min
